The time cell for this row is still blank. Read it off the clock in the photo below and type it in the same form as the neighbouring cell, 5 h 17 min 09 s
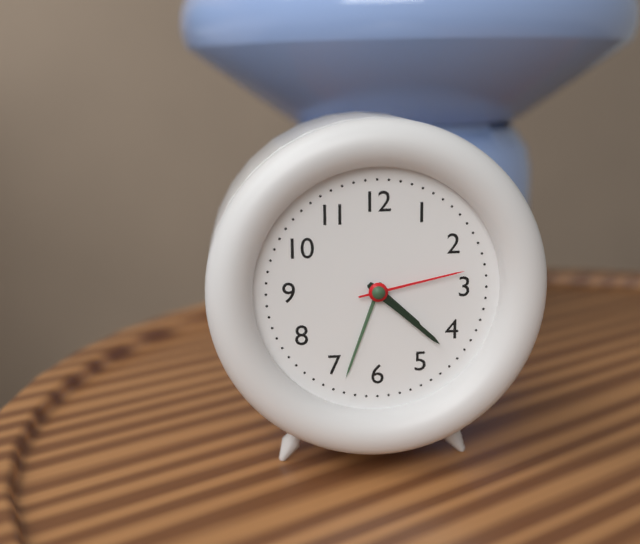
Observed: 4 h 22 min 13 s
